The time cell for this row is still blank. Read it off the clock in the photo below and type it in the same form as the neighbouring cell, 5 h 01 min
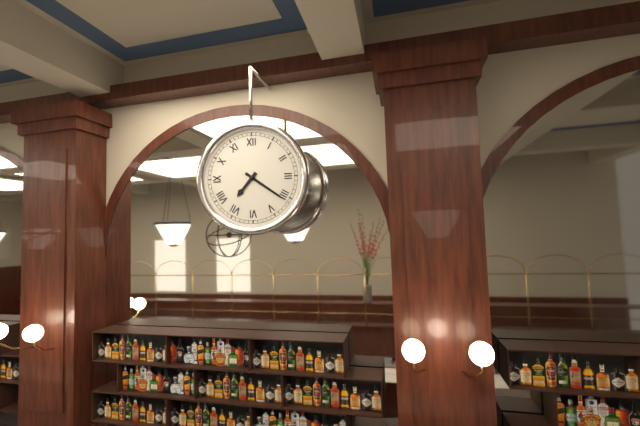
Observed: 7 h 21 min
